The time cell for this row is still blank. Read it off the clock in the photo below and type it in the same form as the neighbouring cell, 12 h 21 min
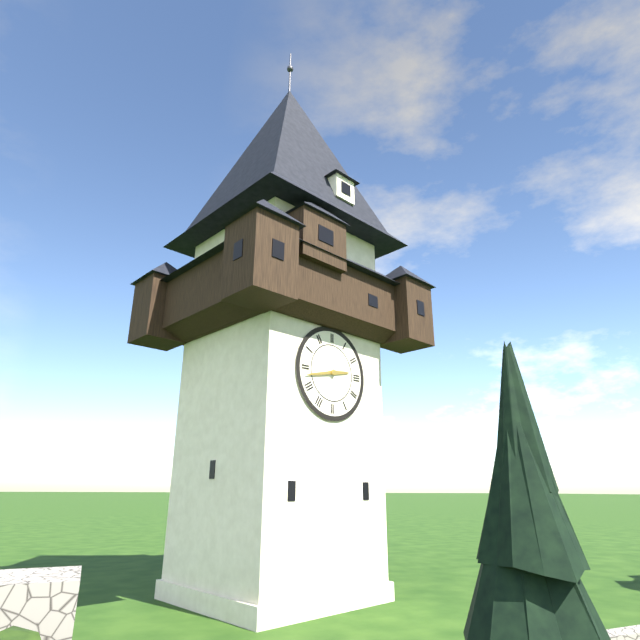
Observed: 2 h 43 min
